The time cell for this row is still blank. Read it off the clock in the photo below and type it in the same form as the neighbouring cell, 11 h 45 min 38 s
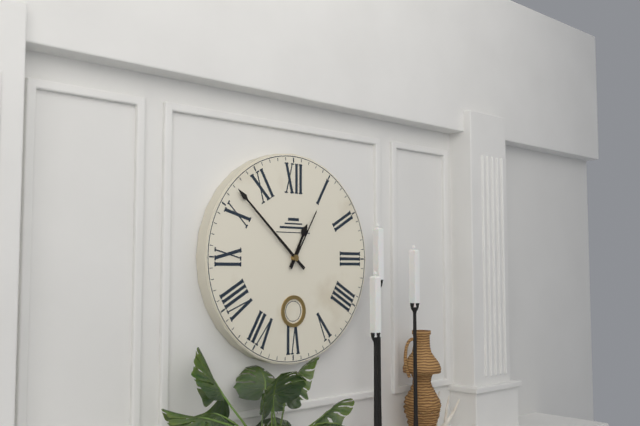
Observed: 12 h 52 min 05 s
